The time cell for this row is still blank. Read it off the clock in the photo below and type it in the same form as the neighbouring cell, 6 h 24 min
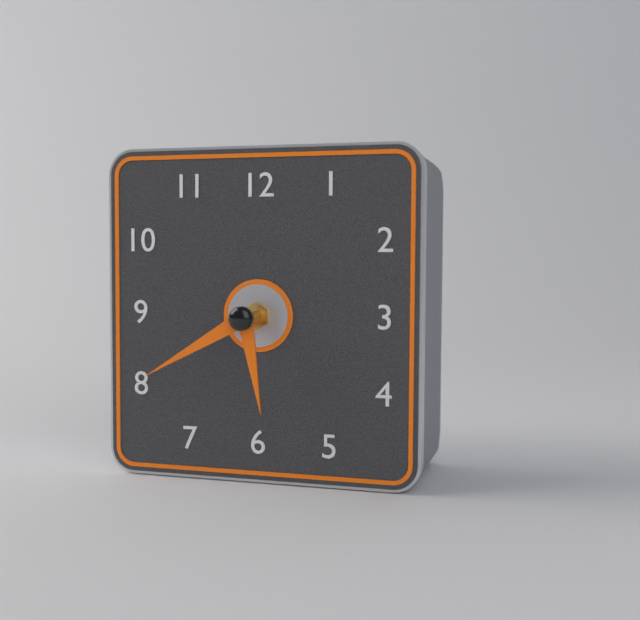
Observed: 5 h 40 min
